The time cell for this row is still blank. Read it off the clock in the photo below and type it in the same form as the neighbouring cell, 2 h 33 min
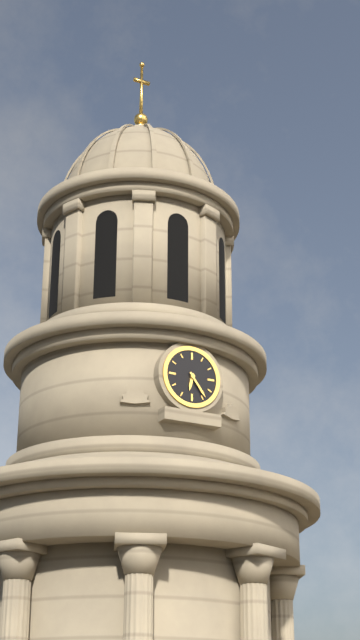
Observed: 6 h 24 min
